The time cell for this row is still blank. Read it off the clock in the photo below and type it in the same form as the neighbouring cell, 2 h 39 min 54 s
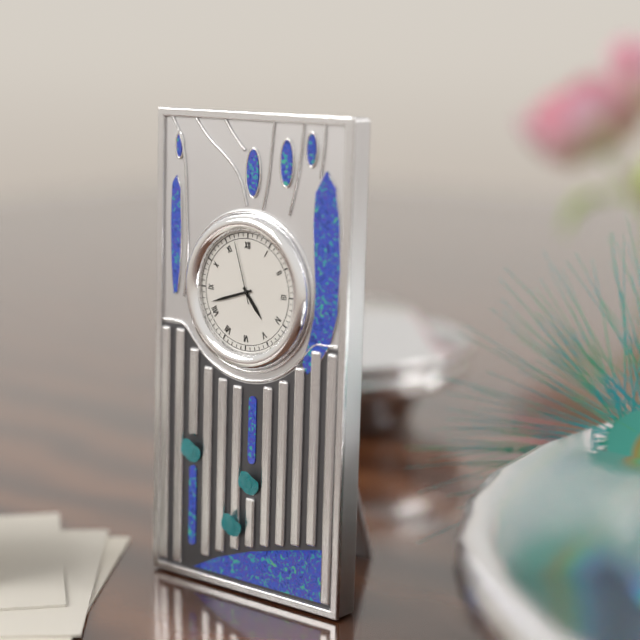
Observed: 4 h 42 min 57 s
